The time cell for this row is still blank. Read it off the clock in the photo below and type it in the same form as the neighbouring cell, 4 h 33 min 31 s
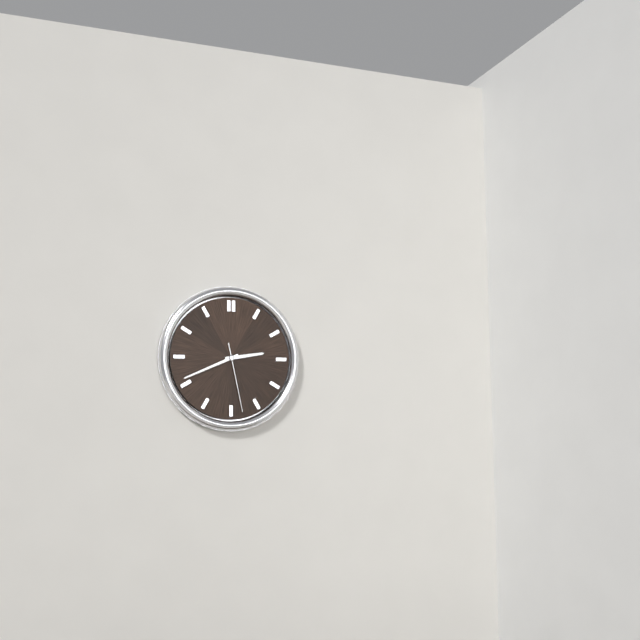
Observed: 2 h 41 min 28 s
